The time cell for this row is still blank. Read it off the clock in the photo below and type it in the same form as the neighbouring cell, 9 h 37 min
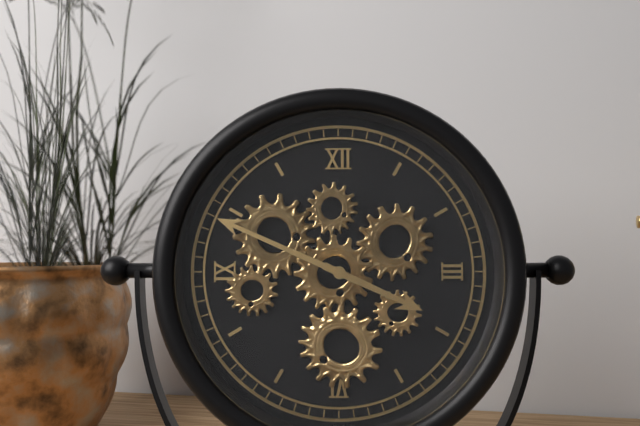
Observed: 3 h 49 min
